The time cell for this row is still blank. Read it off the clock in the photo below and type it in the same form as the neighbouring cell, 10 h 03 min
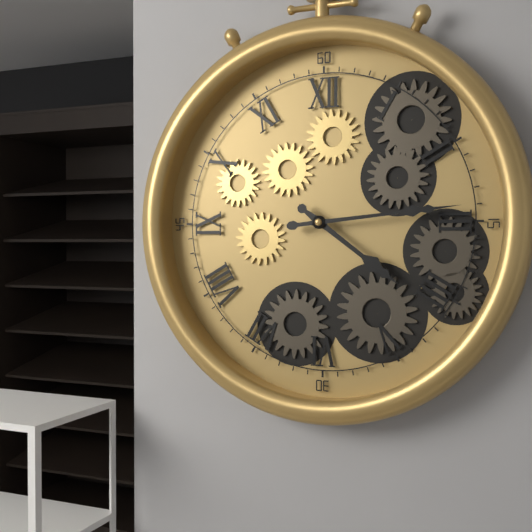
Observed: 4 h 14 min
